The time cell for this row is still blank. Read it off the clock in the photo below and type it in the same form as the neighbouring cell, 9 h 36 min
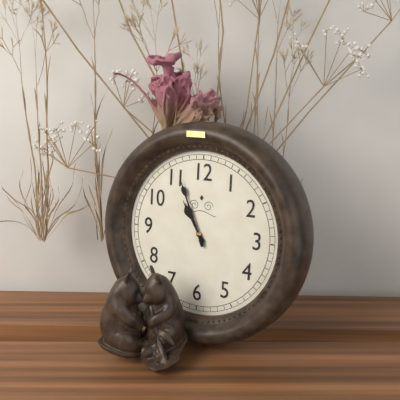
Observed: 10 h 56 min
